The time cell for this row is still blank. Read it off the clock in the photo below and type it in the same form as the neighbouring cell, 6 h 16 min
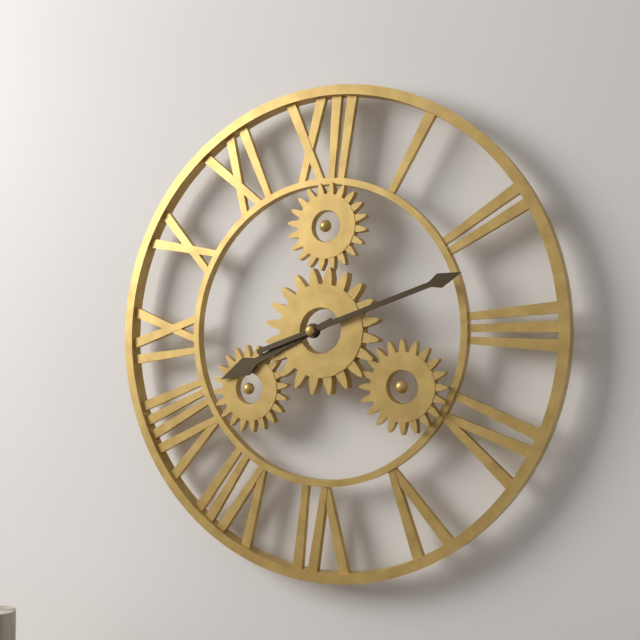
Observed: 8 h 12 min
